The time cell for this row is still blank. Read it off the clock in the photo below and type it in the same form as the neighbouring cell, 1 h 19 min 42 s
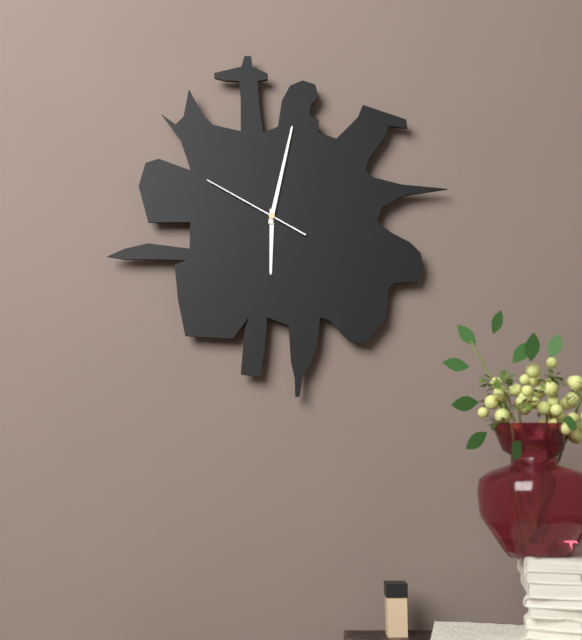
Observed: 6 h 02 min 50 s
